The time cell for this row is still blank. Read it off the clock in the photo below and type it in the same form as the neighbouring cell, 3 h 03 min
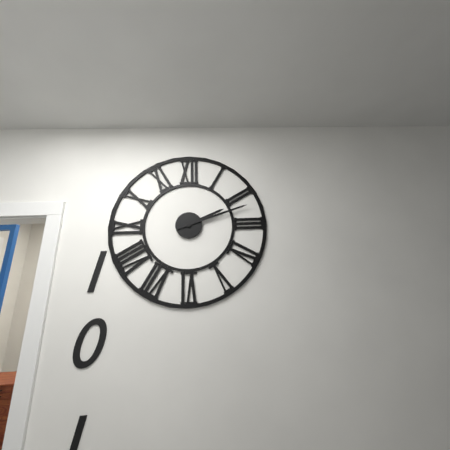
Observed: 2 h 12 min
